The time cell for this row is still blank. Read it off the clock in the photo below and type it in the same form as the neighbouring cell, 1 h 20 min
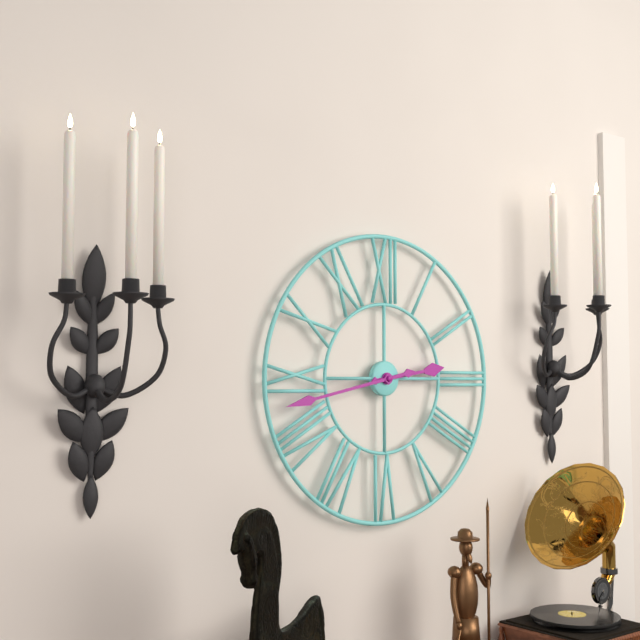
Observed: 2 h 43 min
